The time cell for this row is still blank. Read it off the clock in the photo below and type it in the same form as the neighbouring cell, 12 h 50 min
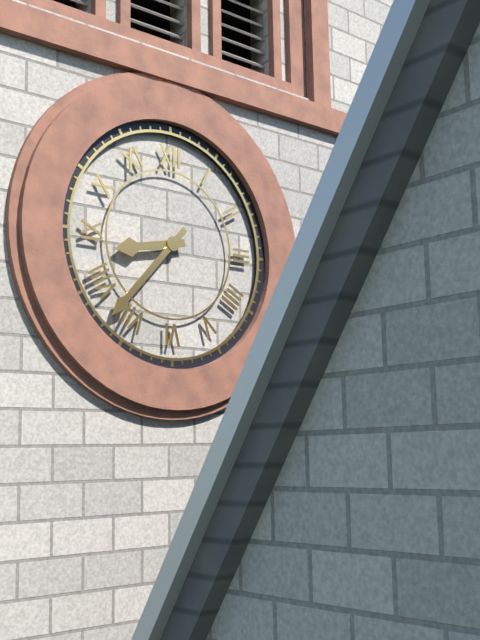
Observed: 8 h 37 min
